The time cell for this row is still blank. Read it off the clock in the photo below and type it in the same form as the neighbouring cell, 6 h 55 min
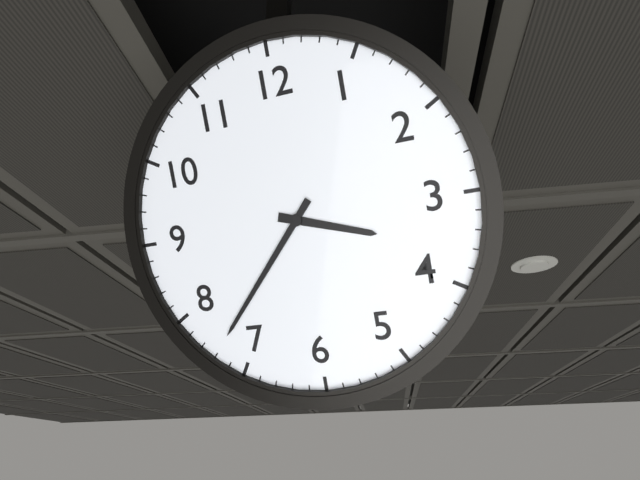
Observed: 3 h 37 min
